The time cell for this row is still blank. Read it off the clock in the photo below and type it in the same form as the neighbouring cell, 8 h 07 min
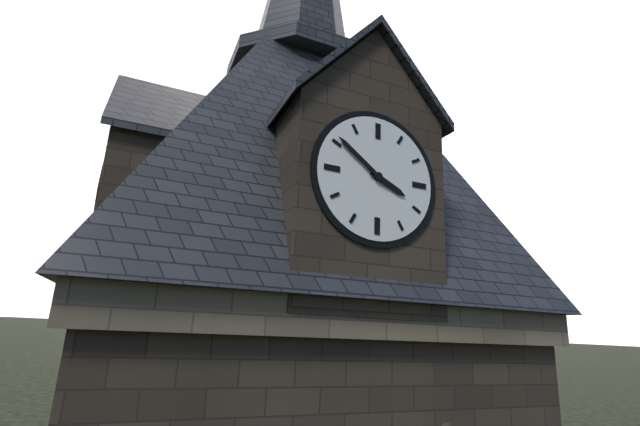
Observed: 3 h 51 min
